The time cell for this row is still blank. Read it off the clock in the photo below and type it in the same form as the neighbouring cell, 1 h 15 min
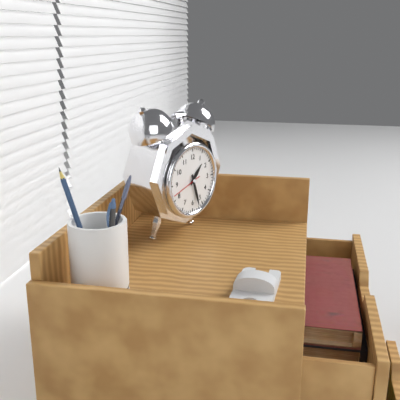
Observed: 1 h 27 min
